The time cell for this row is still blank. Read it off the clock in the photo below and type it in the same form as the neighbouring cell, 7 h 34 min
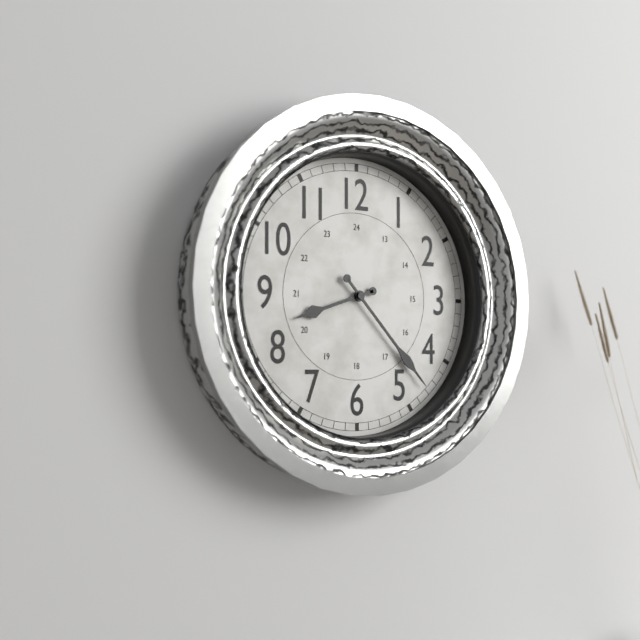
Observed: 8 h 23 min
